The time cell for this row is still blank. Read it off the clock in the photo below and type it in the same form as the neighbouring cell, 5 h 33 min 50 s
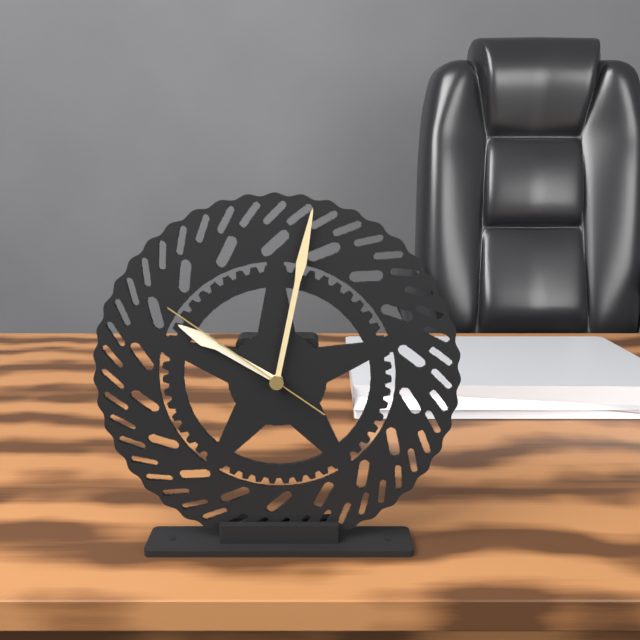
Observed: 10 h 02 min 51 s
